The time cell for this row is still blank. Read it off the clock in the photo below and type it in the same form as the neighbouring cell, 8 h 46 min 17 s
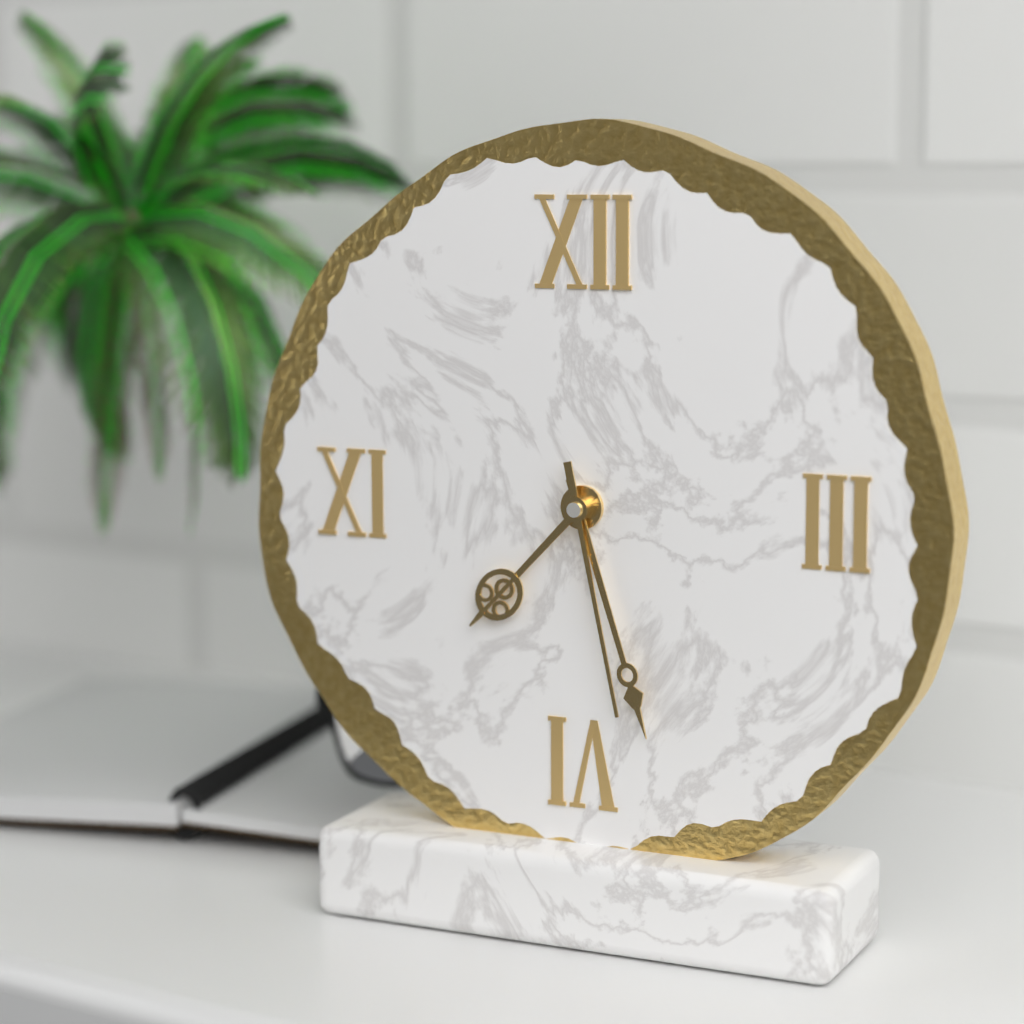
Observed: 7 h 27 min 28 s
